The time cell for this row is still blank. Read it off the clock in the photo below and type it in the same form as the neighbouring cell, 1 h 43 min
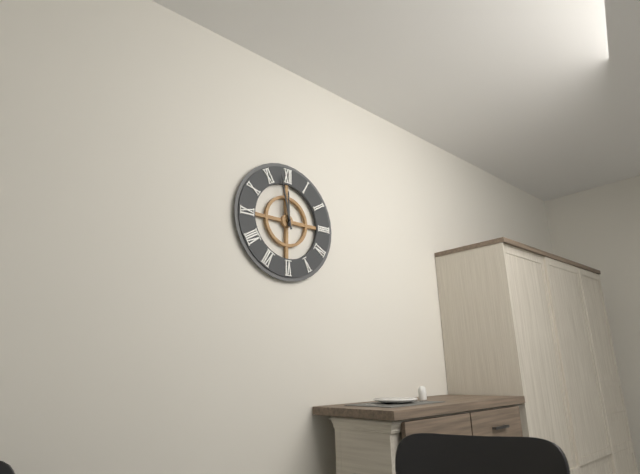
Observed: 11 h 58 min
